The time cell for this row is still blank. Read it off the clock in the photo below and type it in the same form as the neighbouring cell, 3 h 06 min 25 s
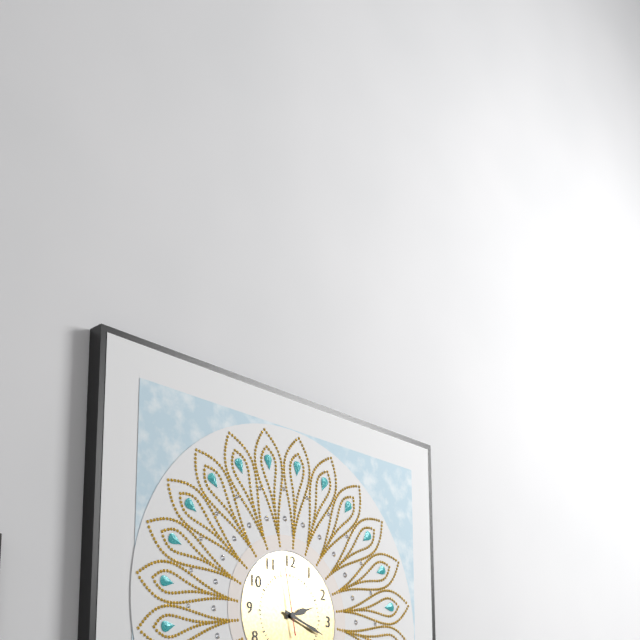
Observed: 2 h 18 min 58 s
